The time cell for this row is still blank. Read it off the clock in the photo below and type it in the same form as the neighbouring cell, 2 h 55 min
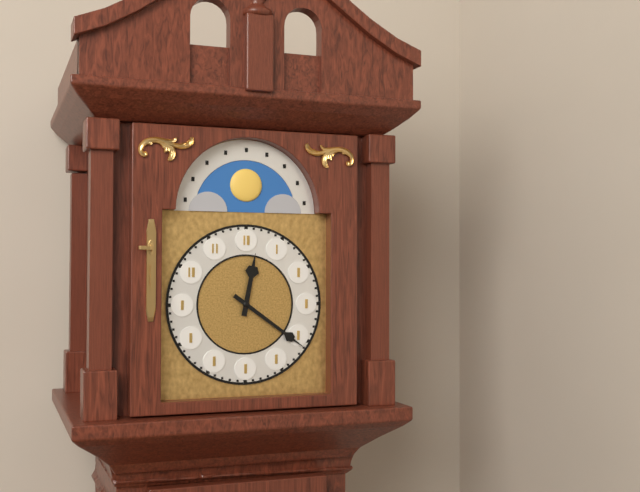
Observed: 12 h 21 min
